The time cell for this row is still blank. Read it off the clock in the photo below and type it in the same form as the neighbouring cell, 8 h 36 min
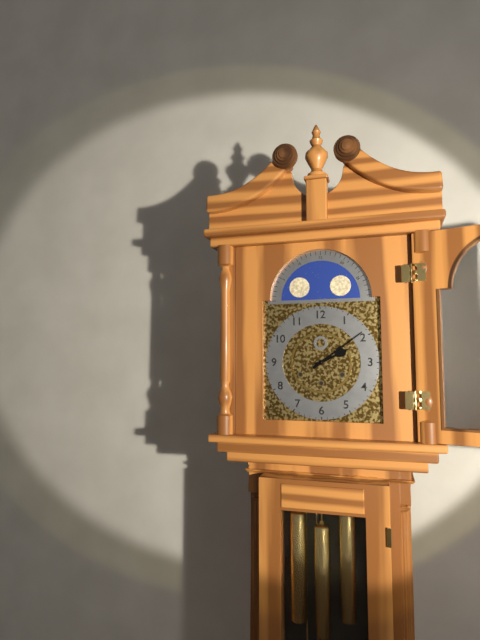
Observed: 2 h 09 min
